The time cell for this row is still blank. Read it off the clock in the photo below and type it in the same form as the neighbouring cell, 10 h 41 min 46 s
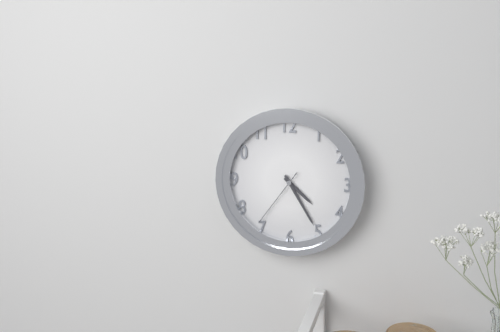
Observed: 4 h 25 min 36 s
